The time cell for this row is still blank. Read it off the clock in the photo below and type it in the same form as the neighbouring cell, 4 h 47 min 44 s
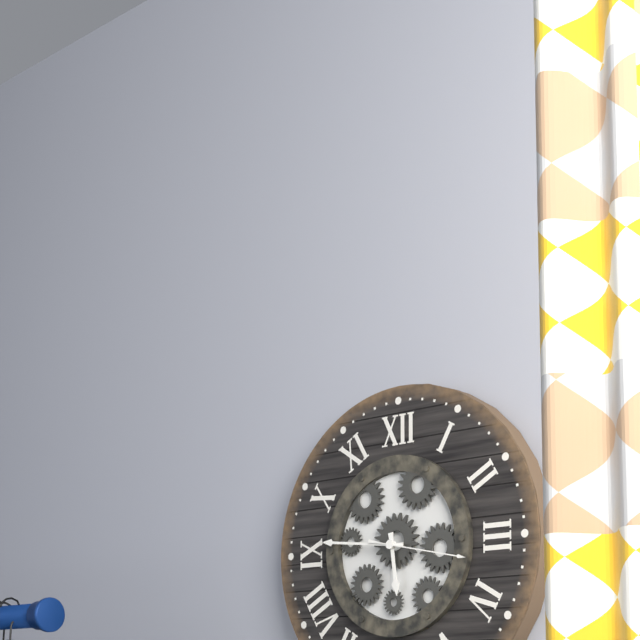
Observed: 5 h 46 min 17 s
